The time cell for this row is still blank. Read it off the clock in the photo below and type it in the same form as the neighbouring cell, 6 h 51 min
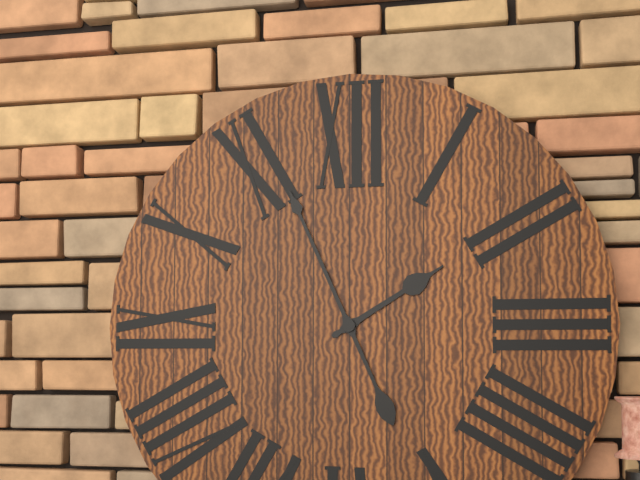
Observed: 1 h 56 min
